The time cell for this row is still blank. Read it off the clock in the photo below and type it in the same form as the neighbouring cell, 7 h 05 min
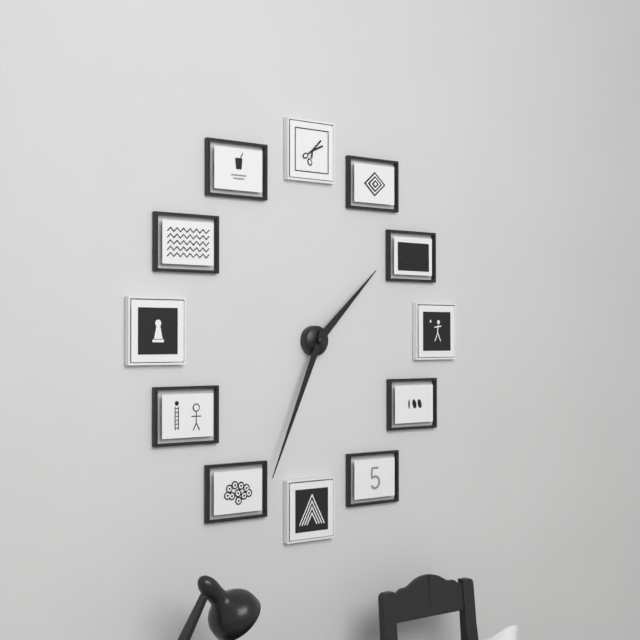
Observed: 1 h 34 min
